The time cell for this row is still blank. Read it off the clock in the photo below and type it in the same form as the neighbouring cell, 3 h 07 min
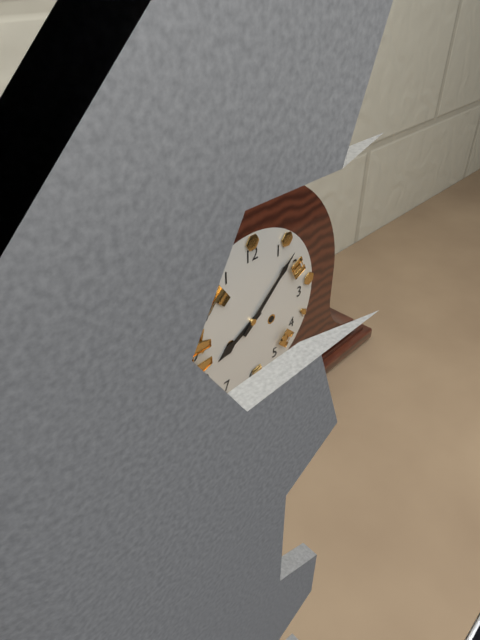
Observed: 8 h 08 min
